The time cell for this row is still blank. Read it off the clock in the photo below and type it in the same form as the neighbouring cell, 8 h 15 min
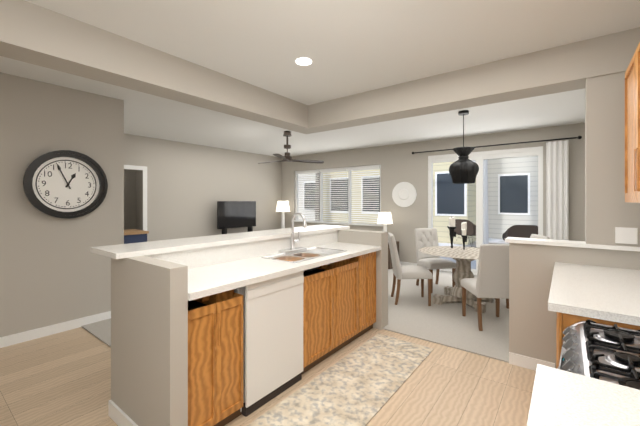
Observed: 12 h 56 min
